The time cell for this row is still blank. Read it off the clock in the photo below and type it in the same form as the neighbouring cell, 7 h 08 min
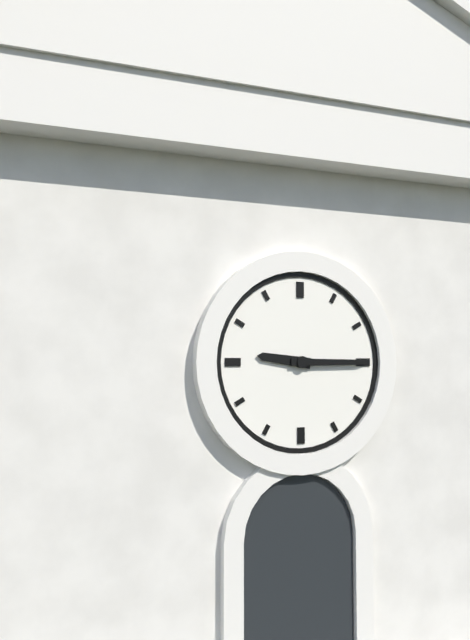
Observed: 9 h 15 min
